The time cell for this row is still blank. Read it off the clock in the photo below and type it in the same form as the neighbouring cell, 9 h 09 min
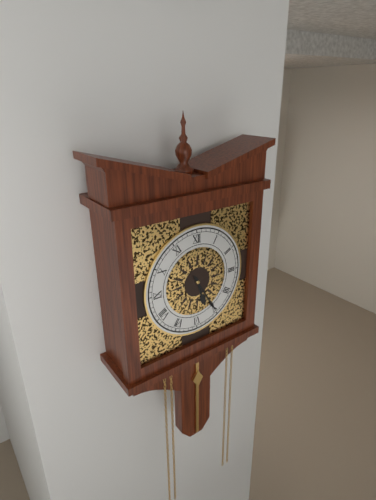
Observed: 5 h 25 min
